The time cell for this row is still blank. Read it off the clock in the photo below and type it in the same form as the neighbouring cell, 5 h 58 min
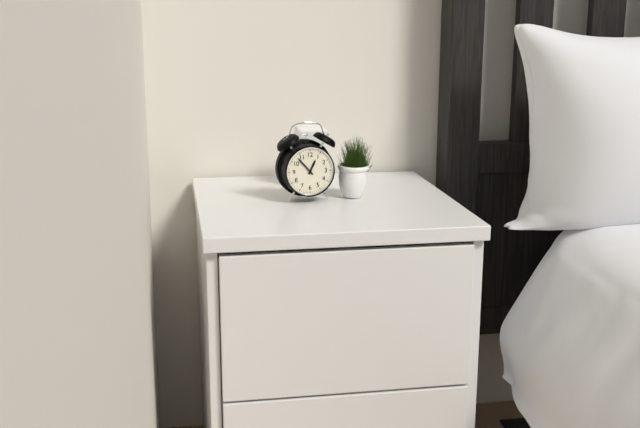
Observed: 12 h 53 min
